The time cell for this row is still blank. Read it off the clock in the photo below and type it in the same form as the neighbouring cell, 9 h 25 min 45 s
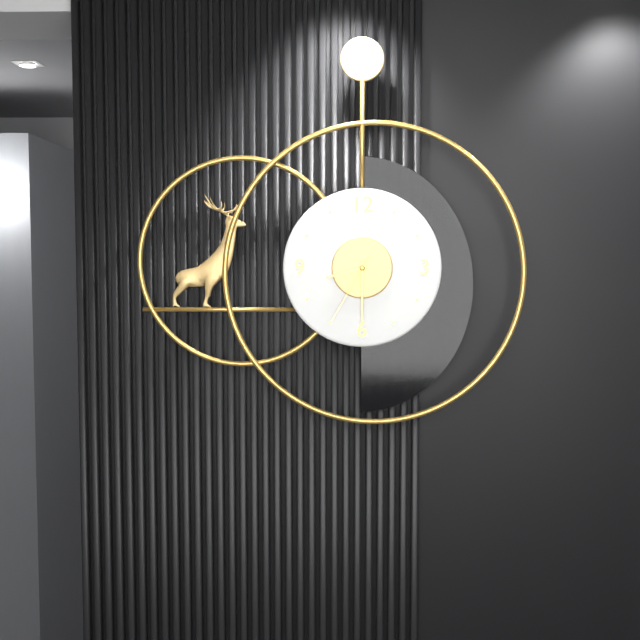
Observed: 8 h 30 min 35 s
